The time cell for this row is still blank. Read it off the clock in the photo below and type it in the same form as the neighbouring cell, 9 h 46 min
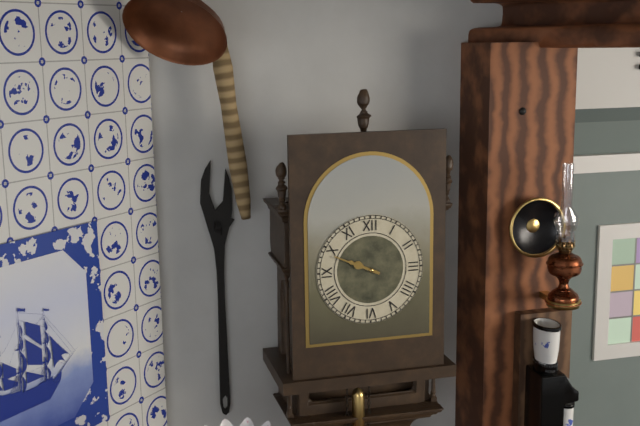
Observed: 9 h 49 min
